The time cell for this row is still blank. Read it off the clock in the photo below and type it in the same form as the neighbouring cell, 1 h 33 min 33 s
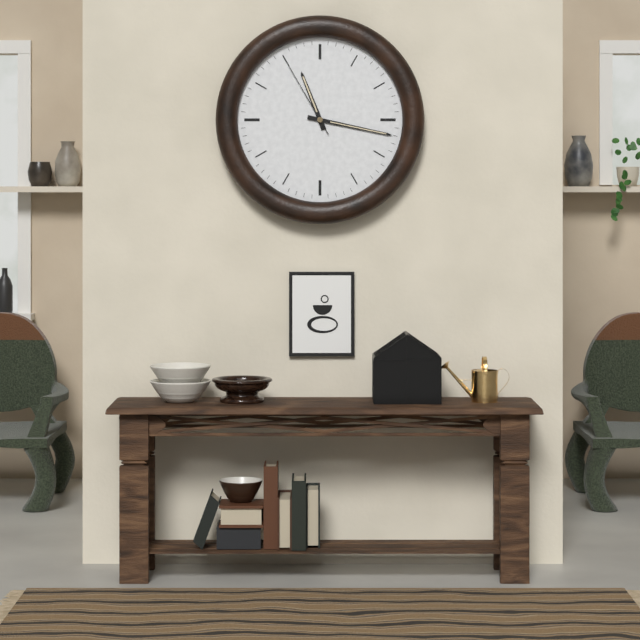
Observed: 11 h 17 min 55 s
